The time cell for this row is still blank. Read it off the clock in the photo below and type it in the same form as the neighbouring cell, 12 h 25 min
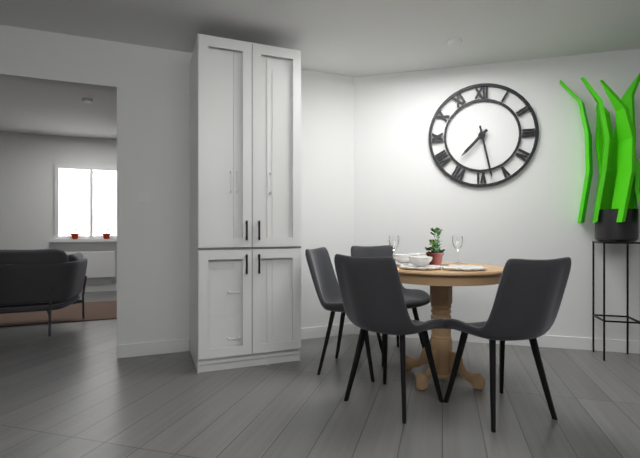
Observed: 7 h 28 min
